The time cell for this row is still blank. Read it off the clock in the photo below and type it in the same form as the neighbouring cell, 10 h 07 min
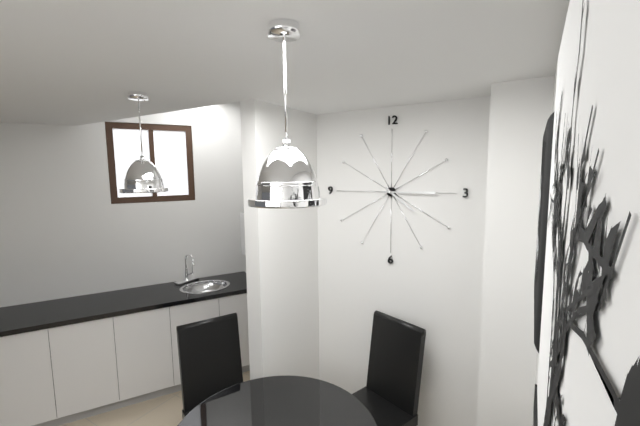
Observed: 4 h 15 min
